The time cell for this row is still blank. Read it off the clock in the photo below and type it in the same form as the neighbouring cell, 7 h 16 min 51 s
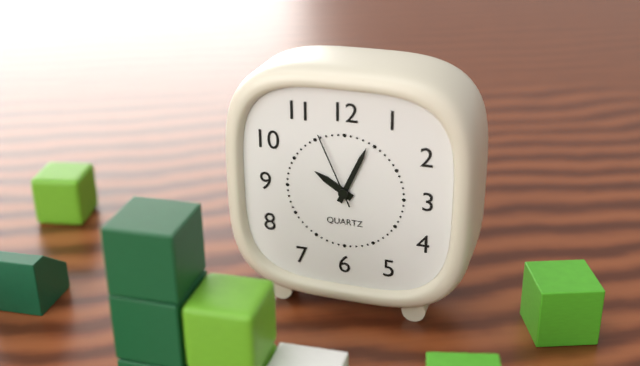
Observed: 10 h 04 min 56 s
